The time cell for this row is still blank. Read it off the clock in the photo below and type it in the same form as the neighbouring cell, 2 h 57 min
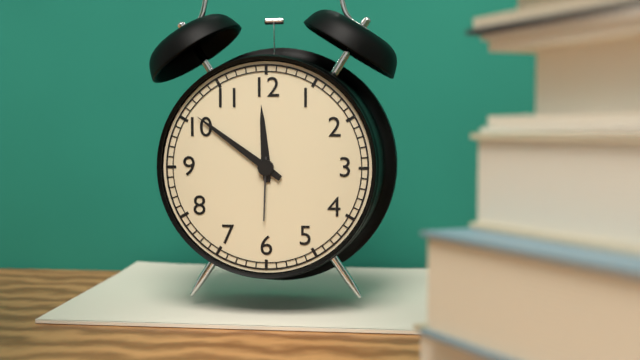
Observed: 11 h 51 min
